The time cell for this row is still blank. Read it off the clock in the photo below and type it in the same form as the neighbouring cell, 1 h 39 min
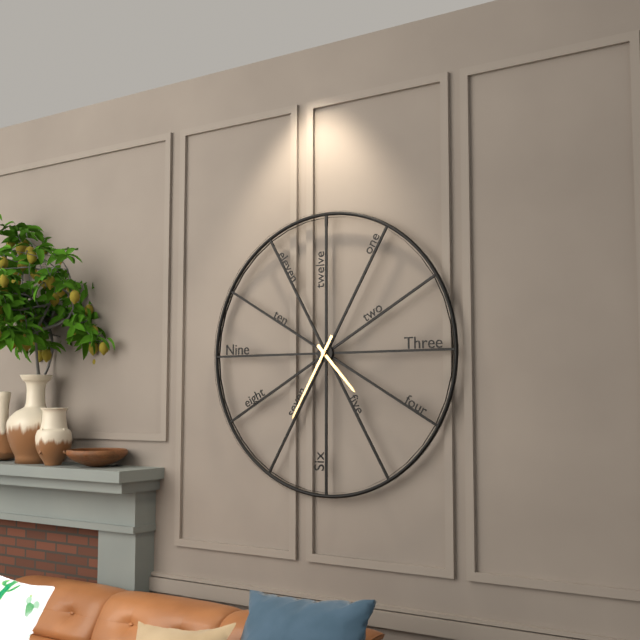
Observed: 4 h 35 min
